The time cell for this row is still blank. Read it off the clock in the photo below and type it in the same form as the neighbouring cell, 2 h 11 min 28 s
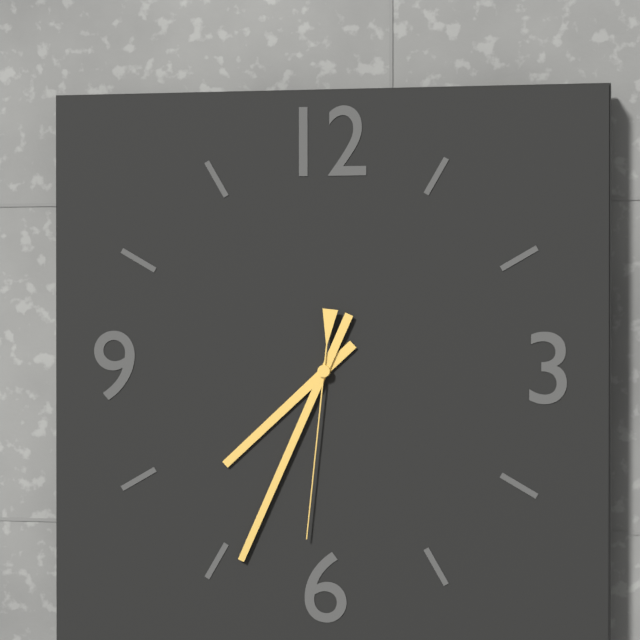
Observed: 7 h 34 min 31 s
